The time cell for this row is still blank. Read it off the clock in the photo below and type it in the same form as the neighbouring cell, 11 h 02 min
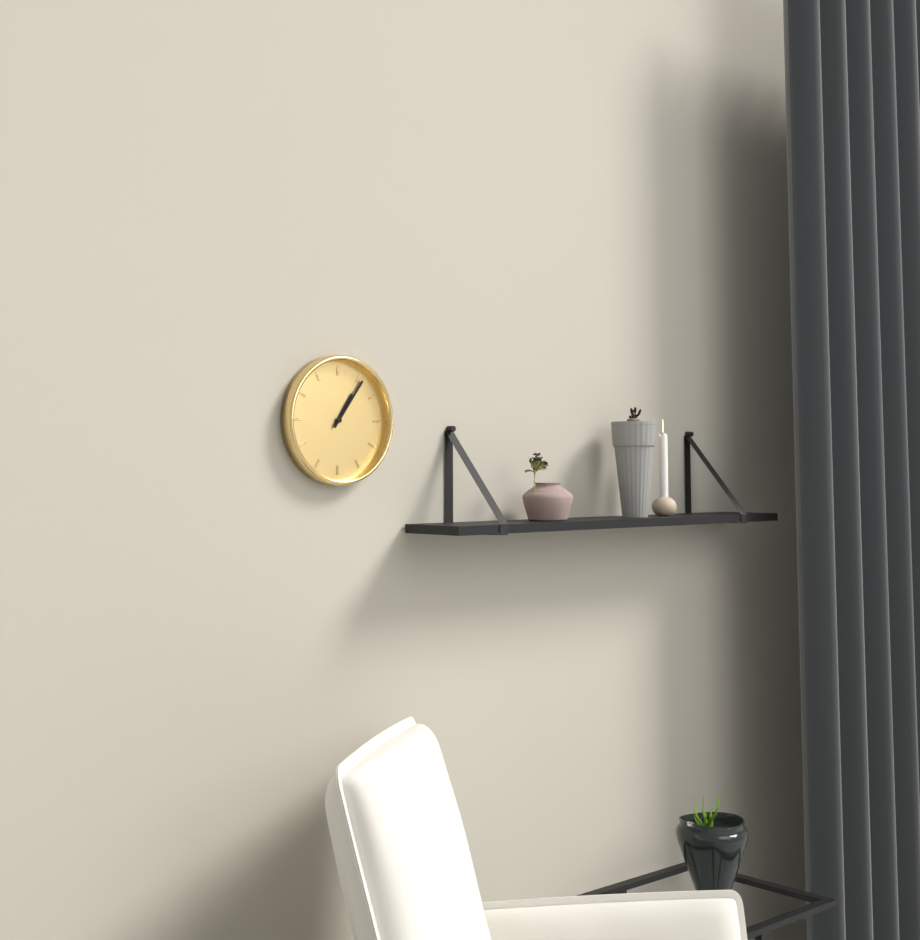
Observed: 1 h 06 min
